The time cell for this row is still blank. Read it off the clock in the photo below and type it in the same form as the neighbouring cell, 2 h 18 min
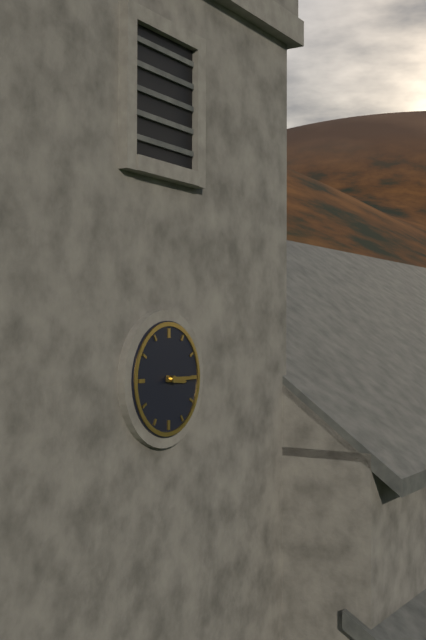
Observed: 3 h 15 min
